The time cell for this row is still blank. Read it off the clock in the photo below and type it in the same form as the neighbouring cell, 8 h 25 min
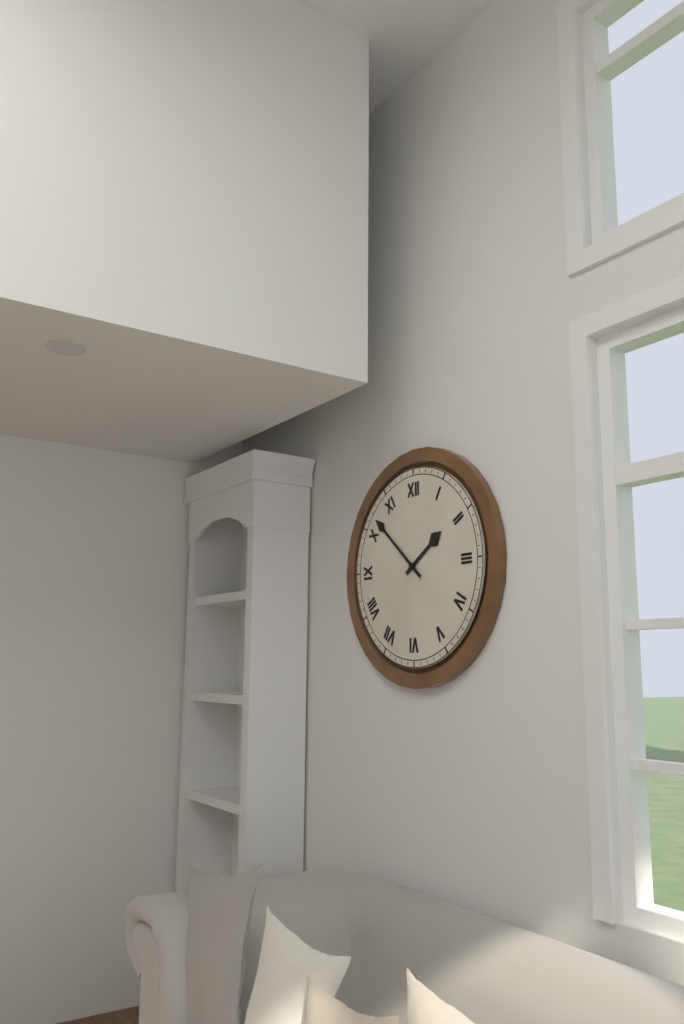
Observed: 1 h 52 min
